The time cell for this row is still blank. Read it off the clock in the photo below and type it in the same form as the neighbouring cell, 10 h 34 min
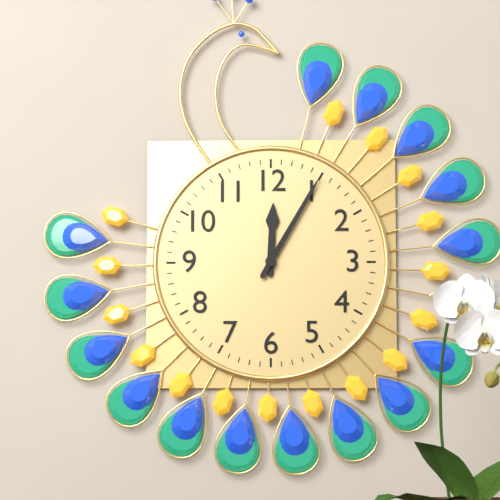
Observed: 12 h 05 min
